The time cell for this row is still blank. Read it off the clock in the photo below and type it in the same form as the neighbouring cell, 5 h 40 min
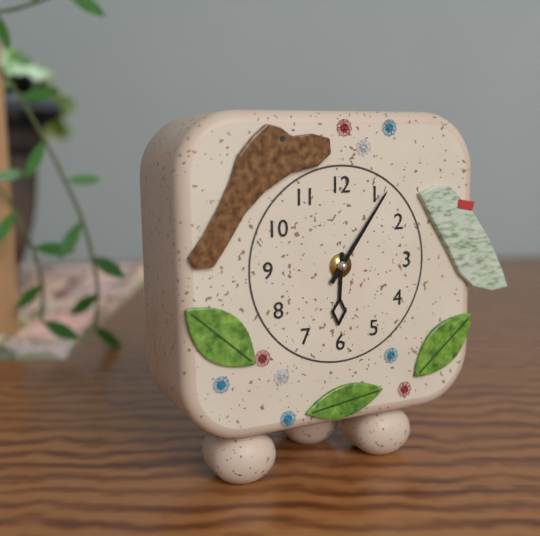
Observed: 6 h 06 min
